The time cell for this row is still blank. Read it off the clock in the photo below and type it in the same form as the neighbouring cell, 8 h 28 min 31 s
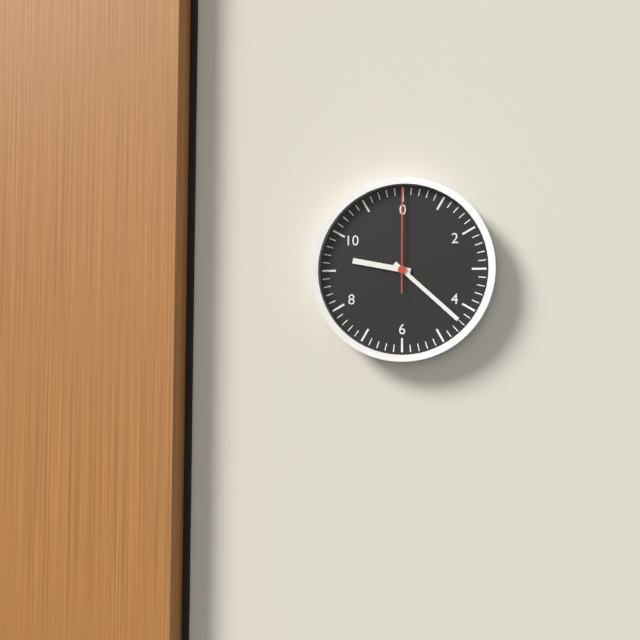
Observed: 9 h 22 min 00 s
